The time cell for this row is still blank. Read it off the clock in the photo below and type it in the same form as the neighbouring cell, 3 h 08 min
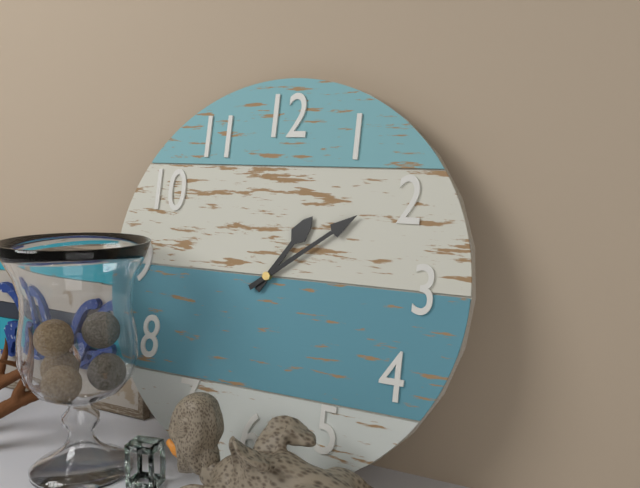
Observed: 1 h 09 min
